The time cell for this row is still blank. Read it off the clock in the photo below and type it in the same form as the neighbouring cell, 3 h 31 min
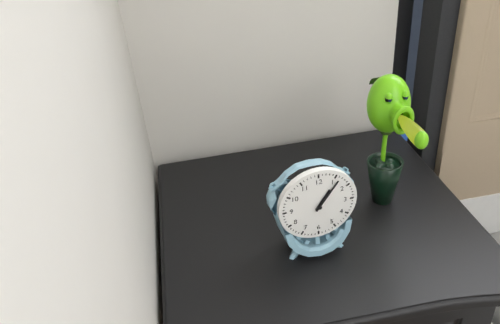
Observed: 1 h 06 min
